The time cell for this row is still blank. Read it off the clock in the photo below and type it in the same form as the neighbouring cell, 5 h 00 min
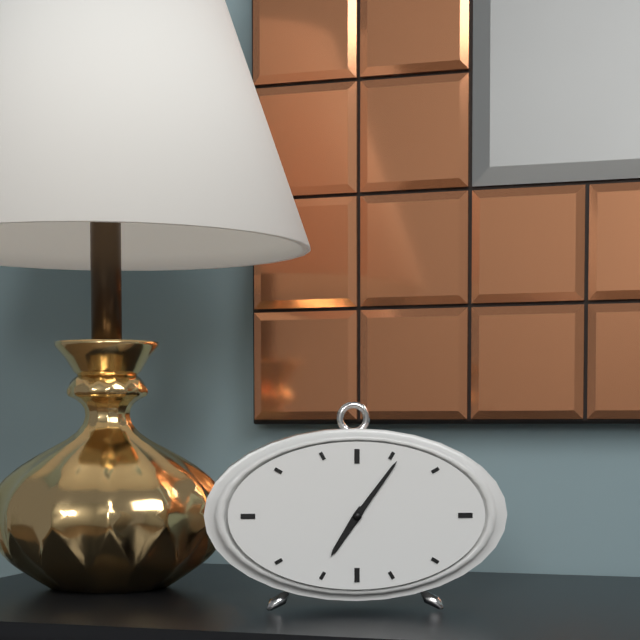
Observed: 7 h 06 min
